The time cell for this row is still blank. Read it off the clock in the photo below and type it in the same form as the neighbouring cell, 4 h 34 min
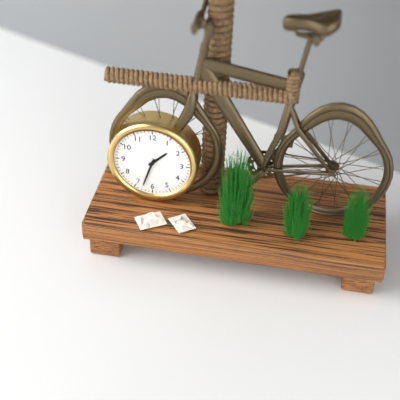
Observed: 1 h 33 min
